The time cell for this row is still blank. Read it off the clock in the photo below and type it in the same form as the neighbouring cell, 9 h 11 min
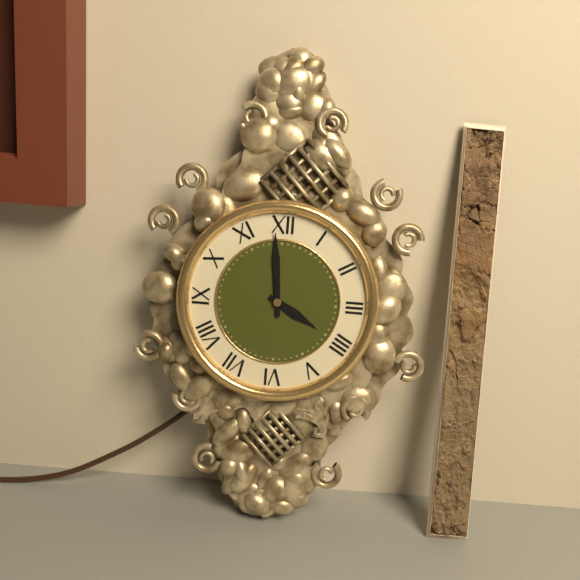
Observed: 3 h 59 min
